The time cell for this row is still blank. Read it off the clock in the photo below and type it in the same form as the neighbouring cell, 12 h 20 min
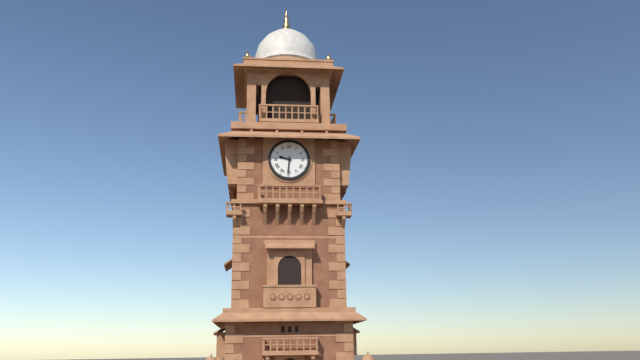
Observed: 9 h 31 min
